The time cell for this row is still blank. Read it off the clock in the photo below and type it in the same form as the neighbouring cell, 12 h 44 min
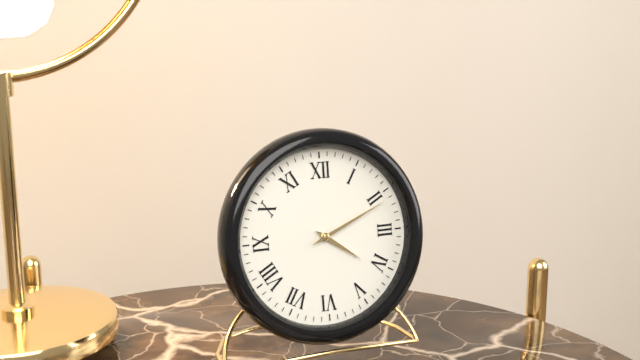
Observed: 4 h 11 min
